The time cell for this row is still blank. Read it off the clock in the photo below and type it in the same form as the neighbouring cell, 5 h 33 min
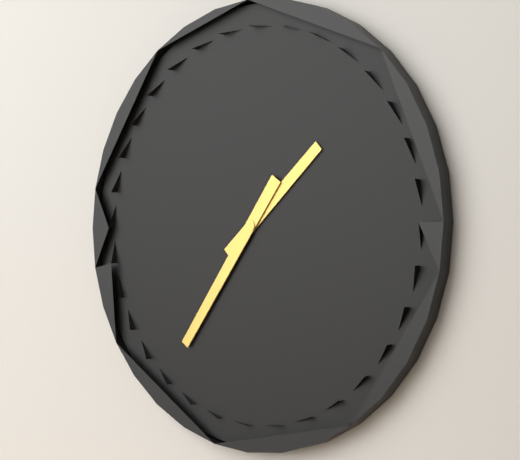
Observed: 1 h 36 min
